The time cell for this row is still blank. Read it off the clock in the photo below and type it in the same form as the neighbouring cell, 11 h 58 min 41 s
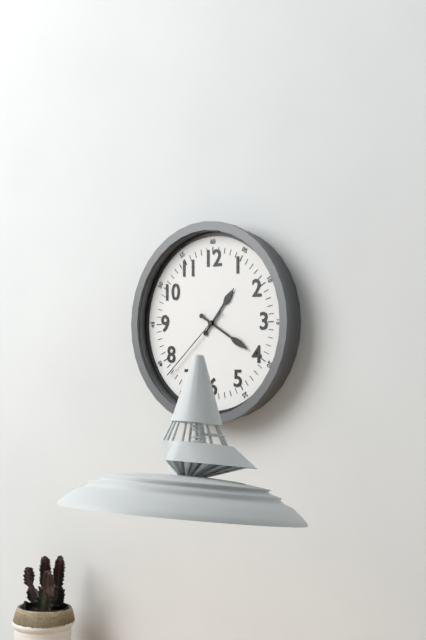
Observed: 1 h 20 min 38 s
